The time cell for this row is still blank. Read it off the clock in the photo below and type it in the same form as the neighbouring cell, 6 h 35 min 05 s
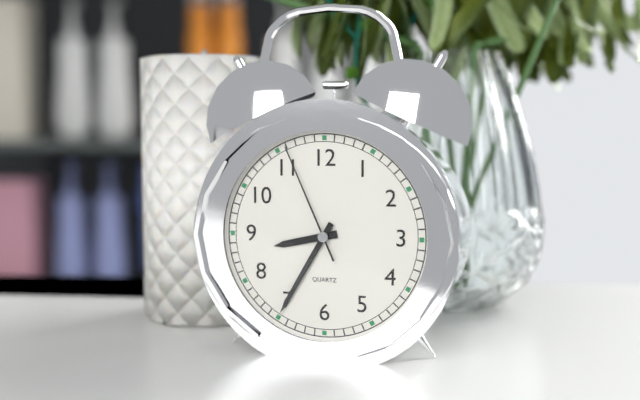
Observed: 8 h 35 min 56 s
